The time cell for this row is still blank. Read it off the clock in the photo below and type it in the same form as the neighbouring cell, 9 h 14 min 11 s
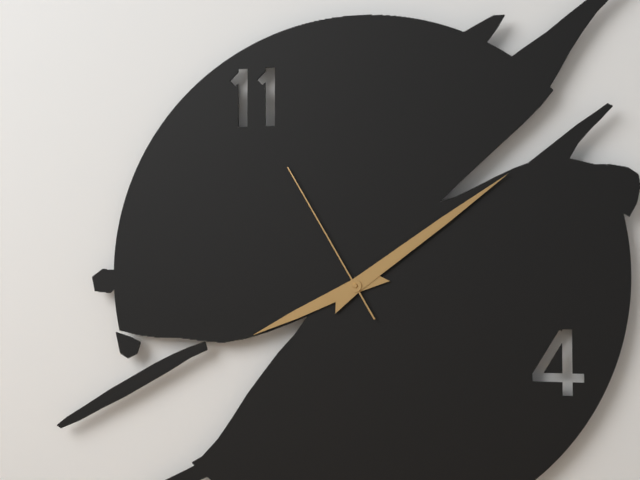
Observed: 8 h 09 min 55 s
